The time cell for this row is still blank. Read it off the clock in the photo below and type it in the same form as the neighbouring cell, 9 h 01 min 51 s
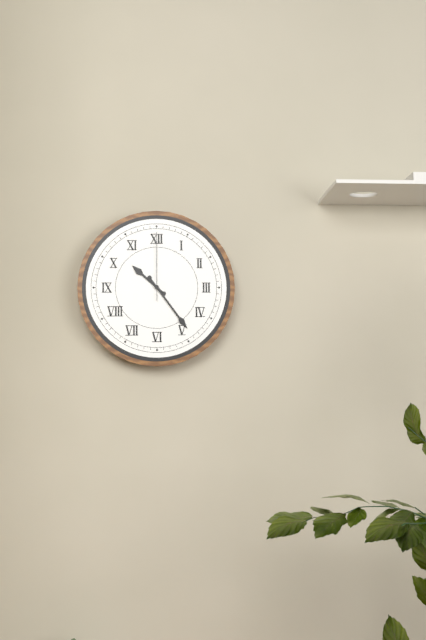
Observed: 10 h 24 min 00 s
